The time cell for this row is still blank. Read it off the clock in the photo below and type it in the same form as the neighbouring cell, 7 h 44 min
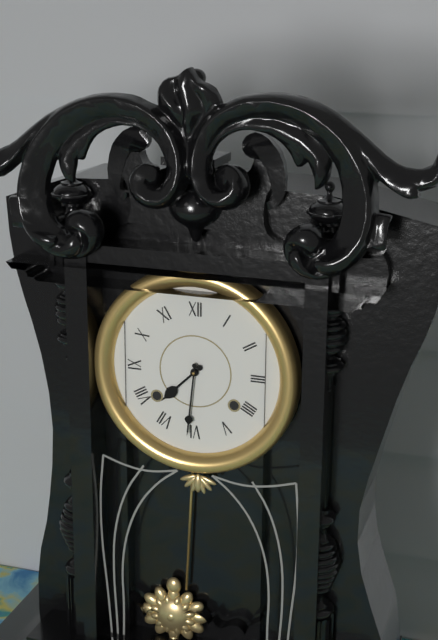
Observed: 7 h 31 min
